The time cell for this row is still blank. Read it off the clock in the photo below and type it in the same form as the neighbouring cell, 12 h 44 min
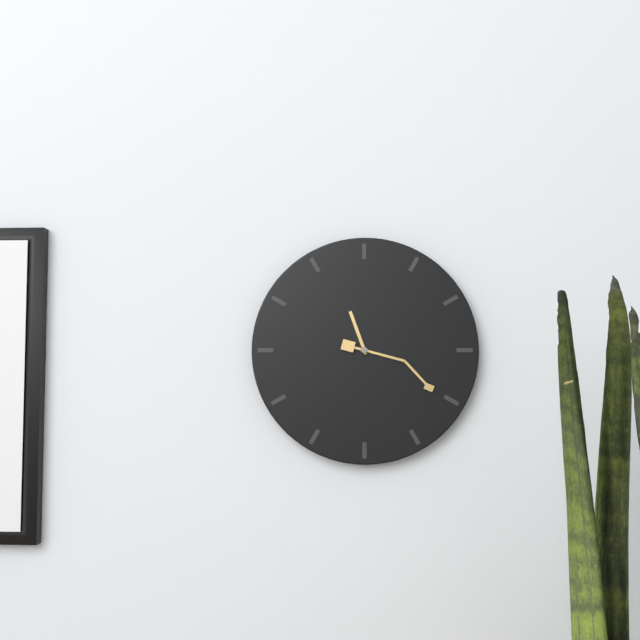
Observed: 11 h 20 min
